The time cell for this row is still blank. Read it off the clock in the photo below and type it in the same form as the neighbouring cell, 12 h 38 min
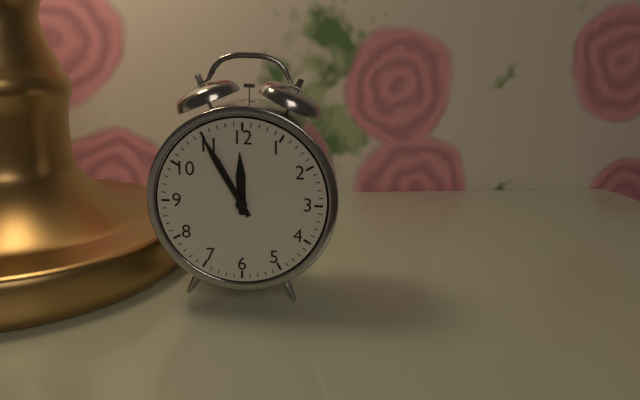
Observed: 11 h 55 min
